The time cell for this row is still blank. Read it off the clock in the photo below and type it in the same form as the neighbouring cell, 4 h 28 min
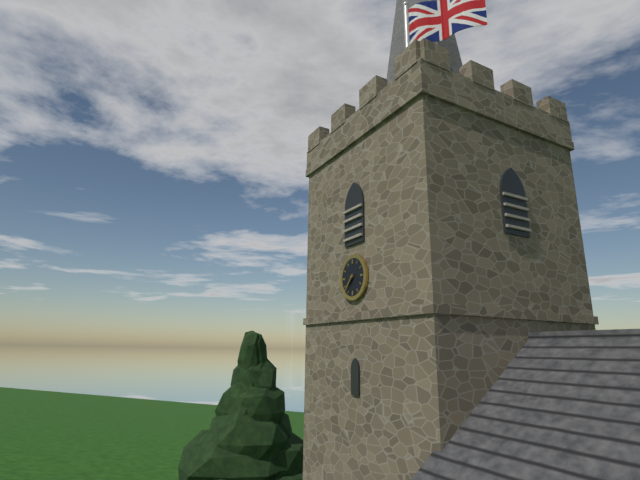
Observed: 7 h 37 min
